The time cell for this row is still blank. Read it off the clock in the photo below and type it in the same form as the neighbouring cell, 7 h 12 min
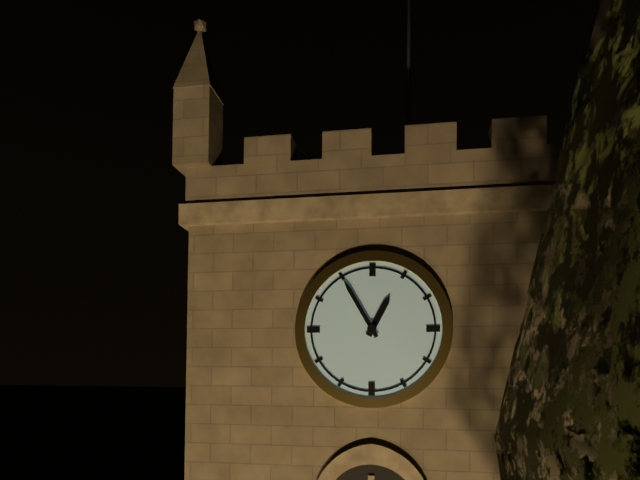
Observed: 12 h 55 min
